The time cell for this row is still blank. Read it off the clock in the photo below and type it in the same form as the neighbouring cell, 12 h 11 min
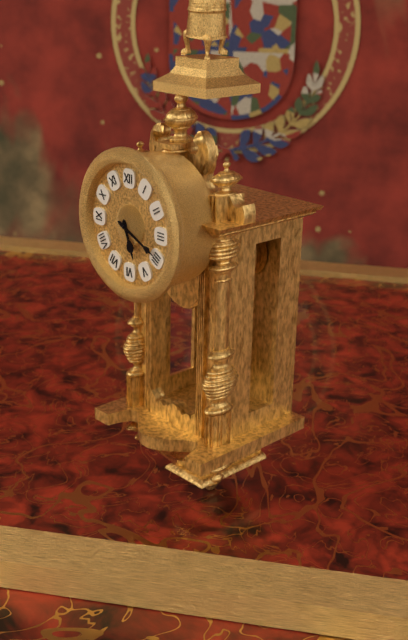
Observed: 5 h 19 min
